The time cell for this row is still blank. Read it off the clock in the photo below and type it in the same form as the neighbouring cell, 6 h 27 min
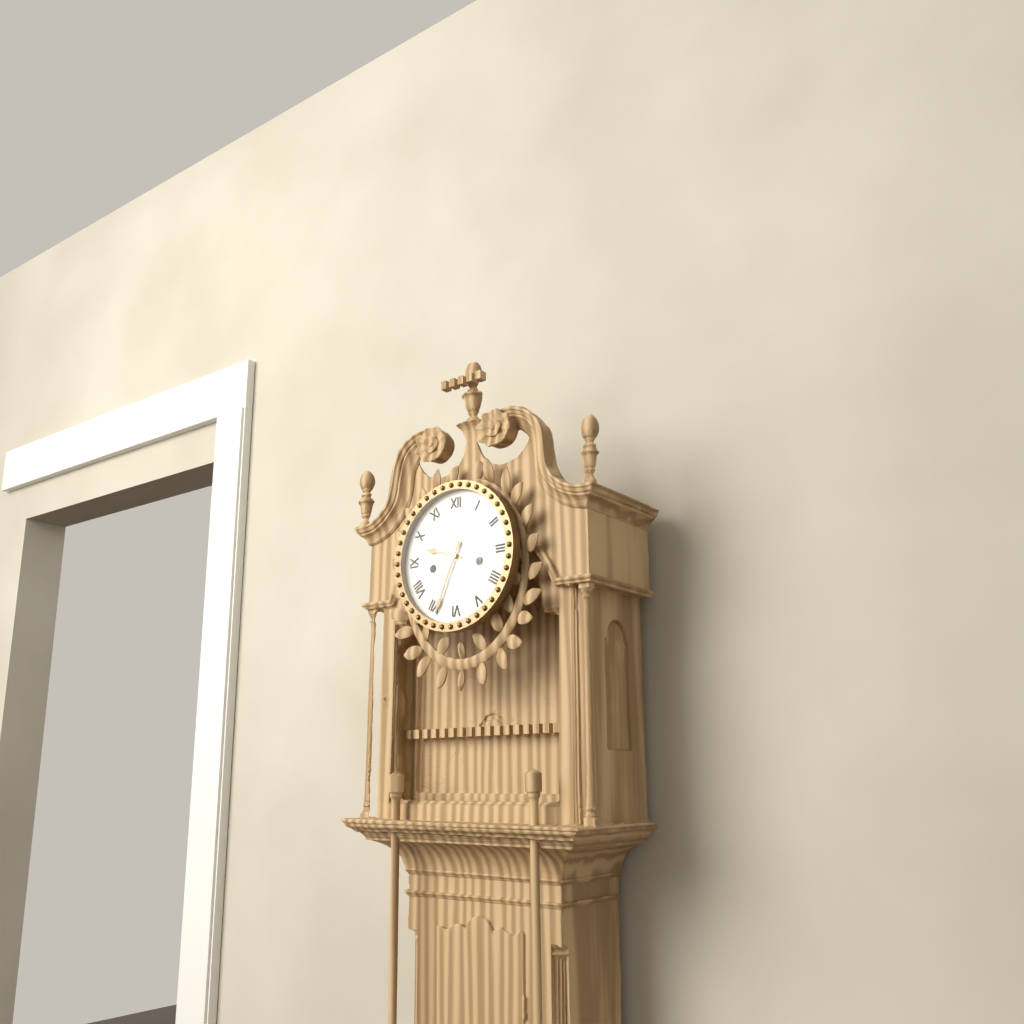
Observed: 9 h 34 min
